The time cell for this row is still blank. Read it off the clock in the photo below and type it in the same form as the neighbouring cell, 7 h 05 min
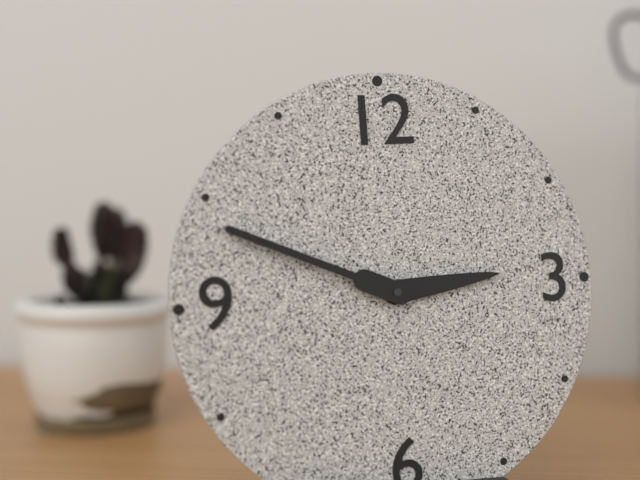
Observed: 2 h 49 min
